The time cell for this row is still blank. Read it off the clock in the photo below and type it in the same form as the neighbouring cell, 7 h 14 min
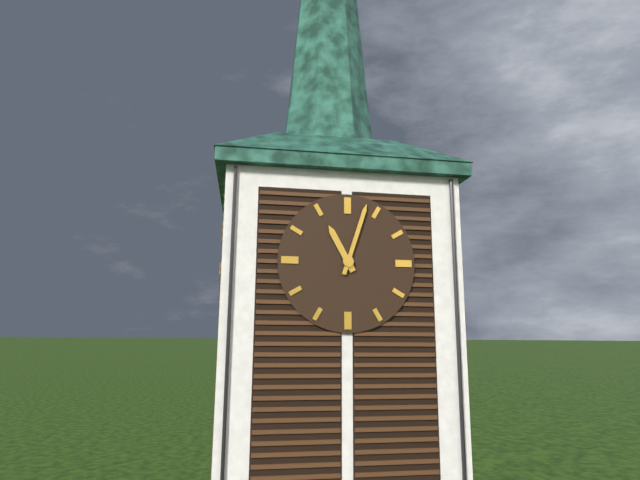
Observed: 11 h 03 min
